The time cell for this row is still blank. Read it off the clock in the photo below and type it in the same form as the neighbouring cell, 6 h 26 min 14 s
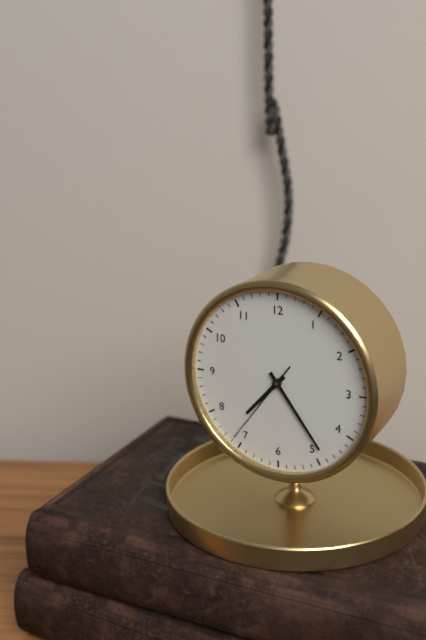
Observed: 7 h 24 min 36 s
